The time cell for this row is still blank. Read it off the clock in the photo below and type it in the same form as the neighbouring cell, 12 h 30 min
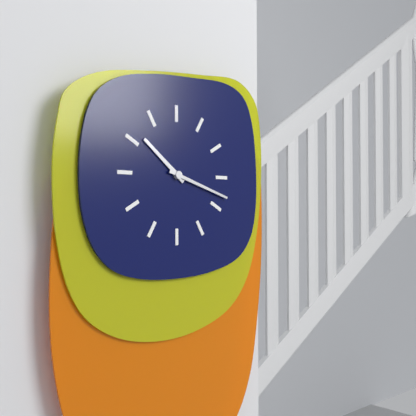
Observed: 10 h 18 min
